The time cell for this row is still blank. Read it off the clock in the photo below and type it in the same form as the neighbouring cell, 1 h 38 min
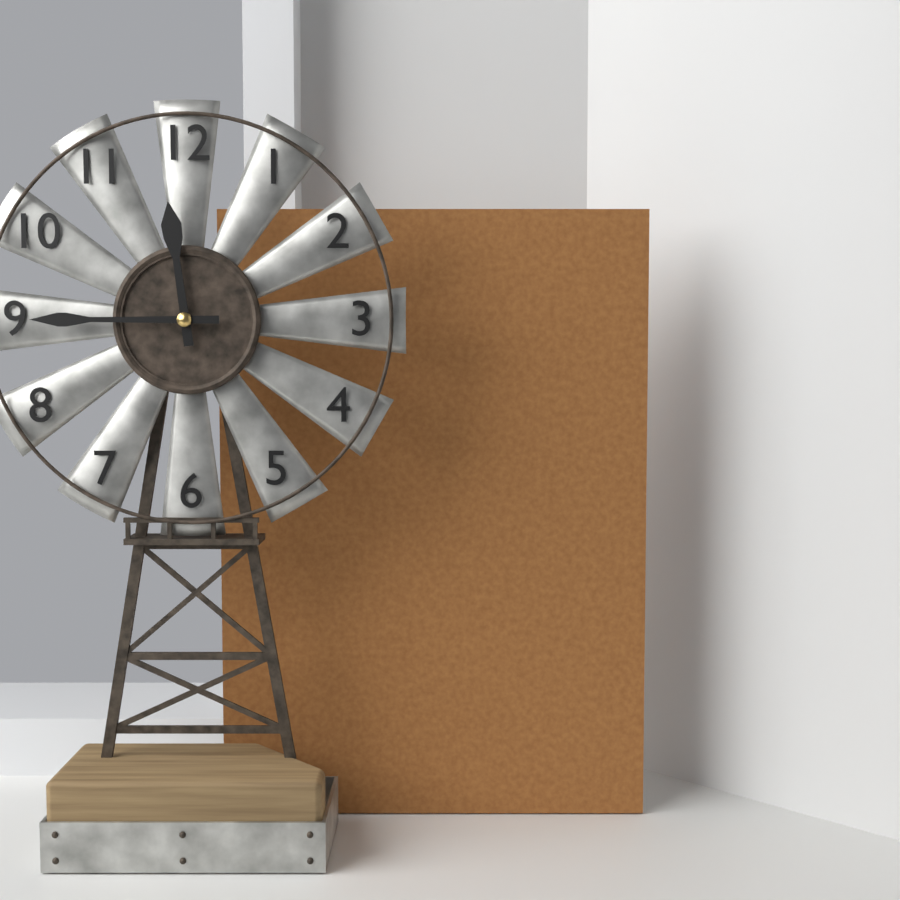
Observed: 11 h 45 min
